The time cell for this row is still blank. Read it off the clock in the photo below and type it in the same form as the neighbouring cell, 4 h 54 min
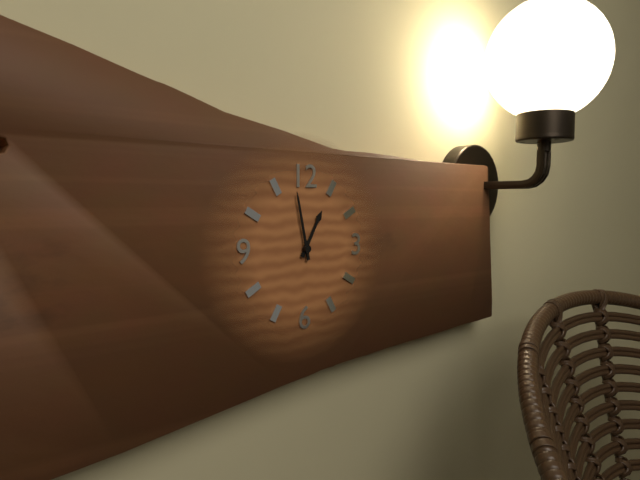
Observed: 12 h 58 min
